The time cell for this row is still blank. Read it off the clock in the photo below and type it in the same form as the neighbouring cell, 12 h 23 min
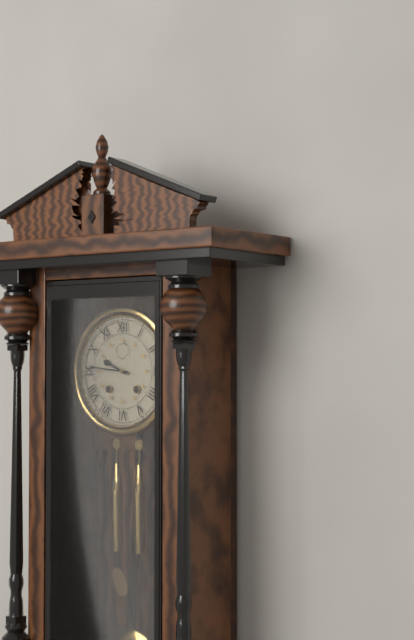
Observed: 9 h 46 min
